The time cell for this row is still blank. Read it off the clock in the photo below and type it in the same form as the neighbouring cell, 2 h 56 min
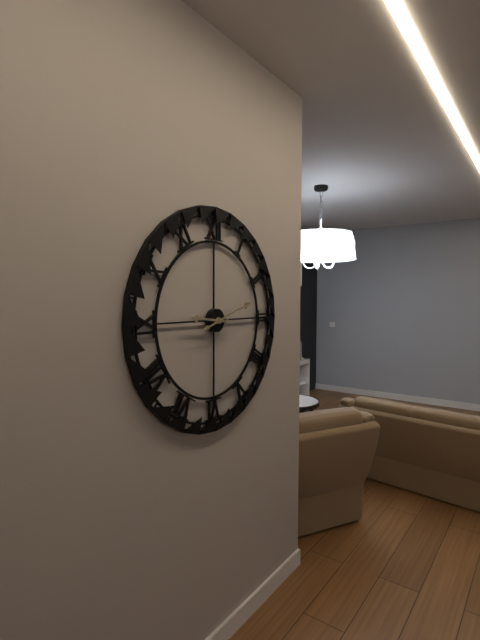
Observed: 9 h 12 min
